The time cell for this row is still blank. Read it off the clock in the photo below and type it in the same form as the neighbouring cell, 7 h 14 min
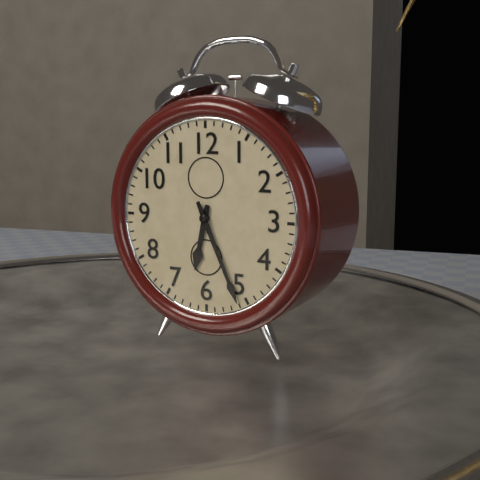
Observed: 6 h 26 min
